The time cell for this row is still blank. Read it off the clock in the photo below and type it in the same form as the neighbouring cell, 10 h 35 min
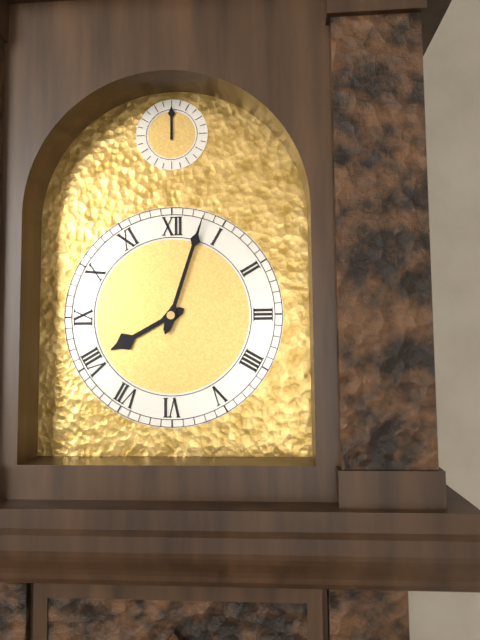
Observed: 8 h 03 min
